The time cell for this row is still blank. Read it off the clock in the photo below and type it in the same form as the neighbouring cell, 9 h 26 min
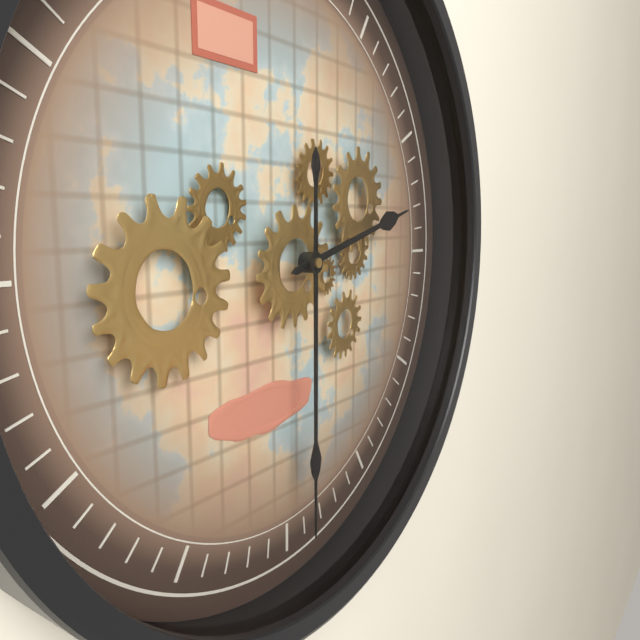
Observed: 2 h 30 min
